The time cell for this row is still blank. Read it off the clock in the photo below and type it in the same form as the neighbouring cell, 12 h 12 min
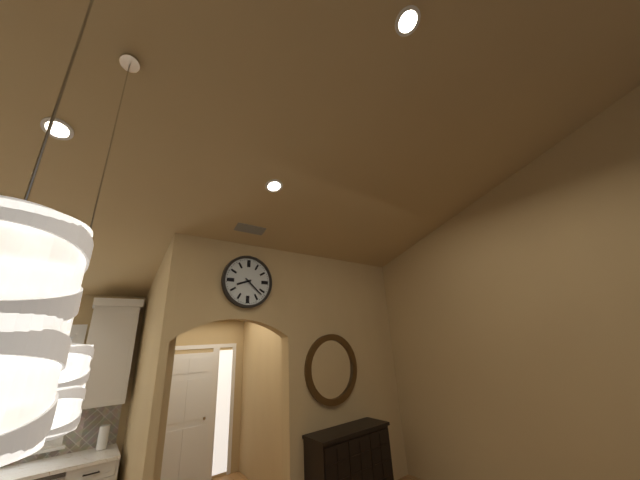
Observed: 8 h 22 min
